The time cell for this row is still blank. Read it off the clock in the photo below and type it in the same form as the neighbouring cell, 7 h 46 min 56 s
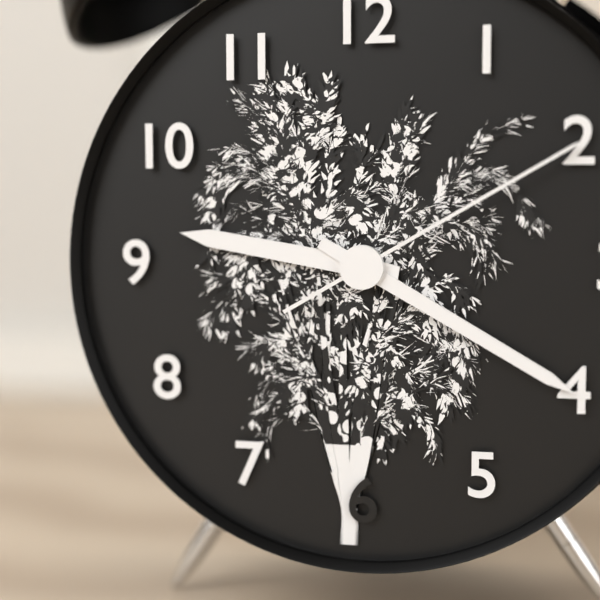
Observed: 9 h 20 min 10 s
